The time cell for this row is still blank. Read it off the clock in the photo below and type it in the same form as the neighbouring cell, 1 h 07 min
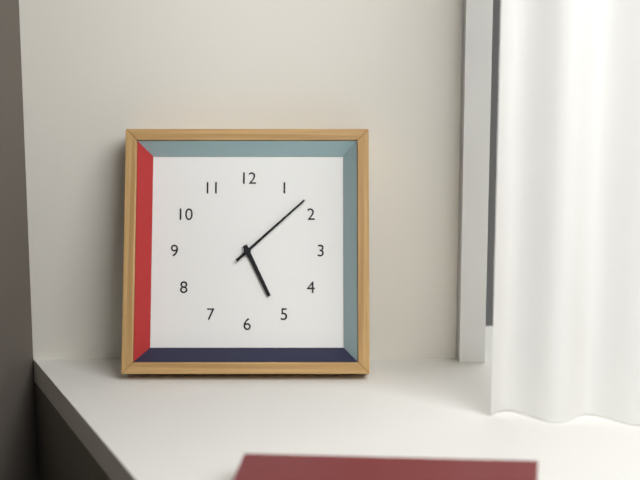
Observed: 5 h 08 min
